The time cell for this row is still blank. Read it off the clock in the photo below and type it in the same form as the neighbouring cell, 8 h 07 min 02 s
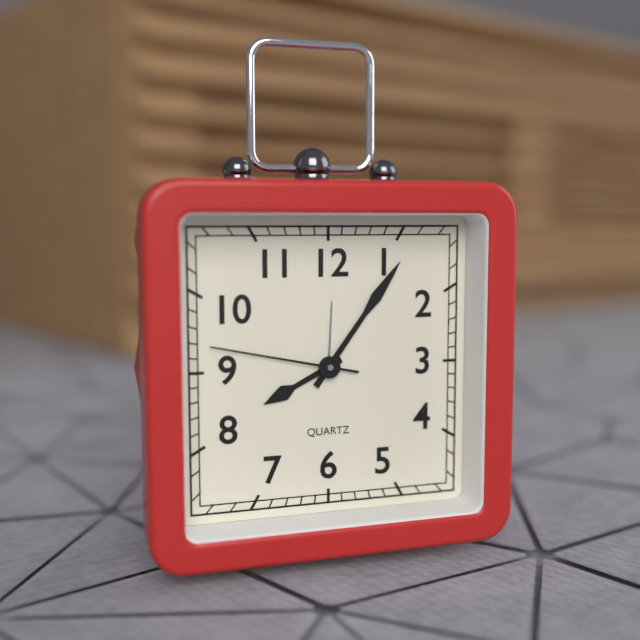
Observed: 8 h 06 min 47 s
